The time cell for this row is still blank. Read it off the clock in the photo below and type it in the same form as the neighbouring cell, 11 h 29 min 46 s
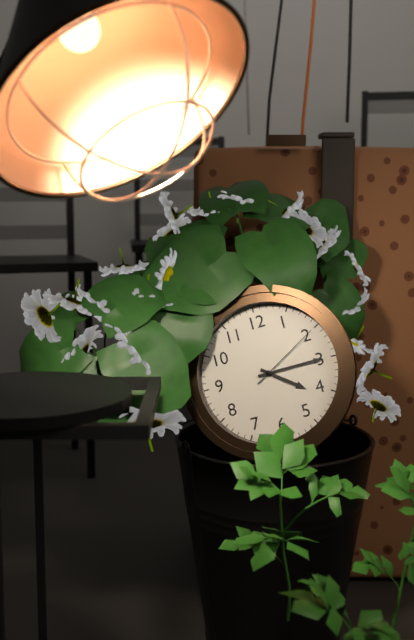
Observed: 4 h 15 min 10 s
